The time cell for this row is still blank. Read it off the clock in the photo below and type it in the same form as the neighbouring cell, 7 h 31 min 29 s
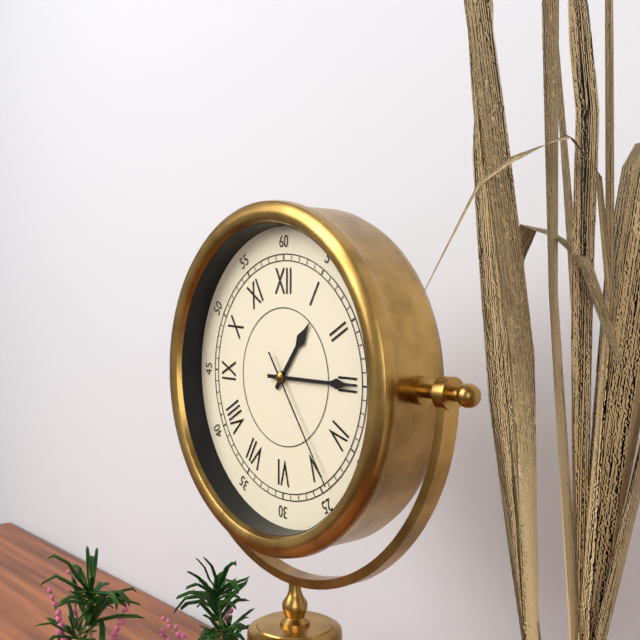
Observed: 1 h 15 min 24 s
